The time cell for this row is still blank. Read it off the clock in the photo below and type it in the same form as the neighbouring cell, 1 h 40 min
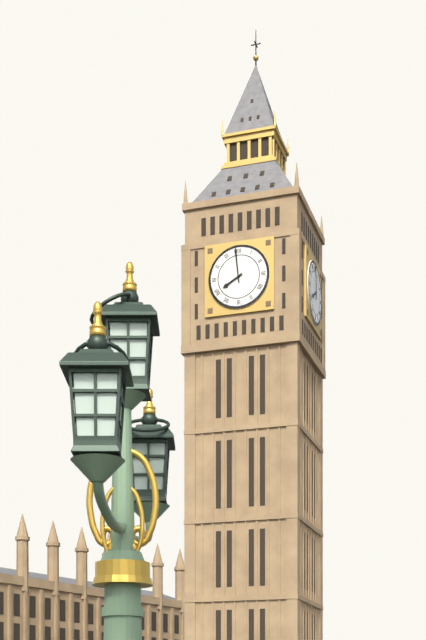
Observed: 7 h 59 min
